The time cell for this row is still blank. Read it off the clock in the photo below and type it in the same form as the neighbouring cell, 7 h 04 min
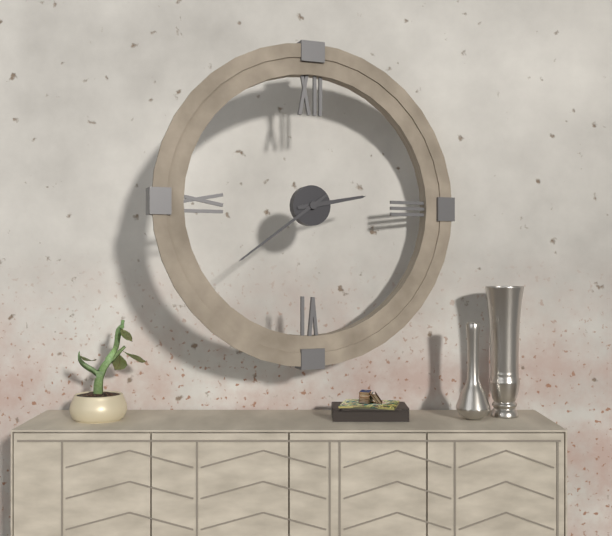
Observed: 2 h 39 min
